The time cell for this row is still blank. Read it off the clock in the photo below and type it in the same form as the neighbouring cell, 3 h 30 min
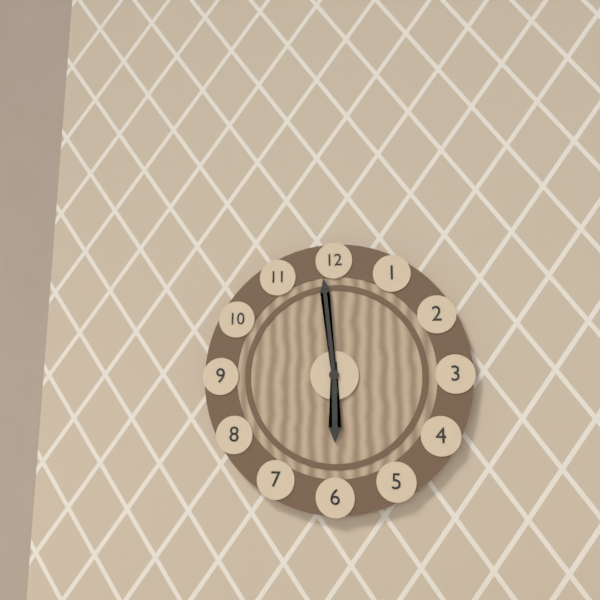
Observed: 5 h 59 min
